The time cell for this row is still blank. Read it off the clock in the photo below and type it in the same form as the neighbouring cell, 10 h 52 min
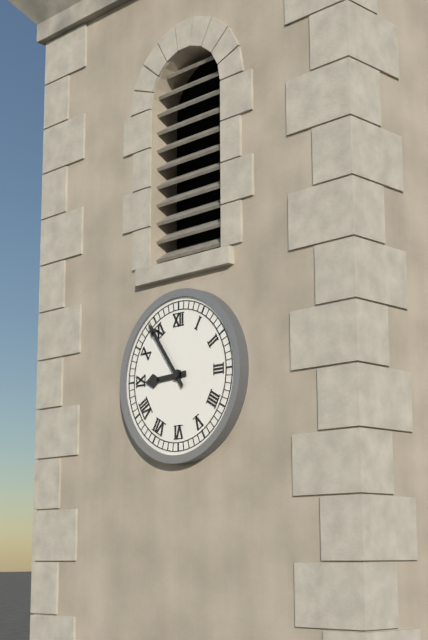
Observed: 8 h 54 min
